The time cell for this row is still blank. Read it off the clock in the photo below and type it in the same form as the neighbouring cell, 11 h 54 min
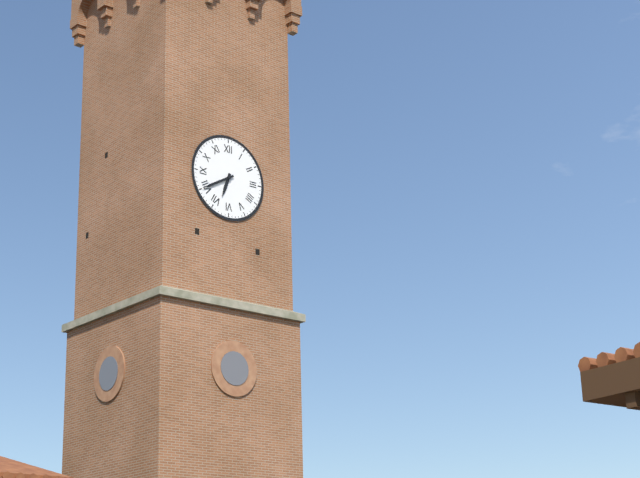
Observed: 6 h 40 min
